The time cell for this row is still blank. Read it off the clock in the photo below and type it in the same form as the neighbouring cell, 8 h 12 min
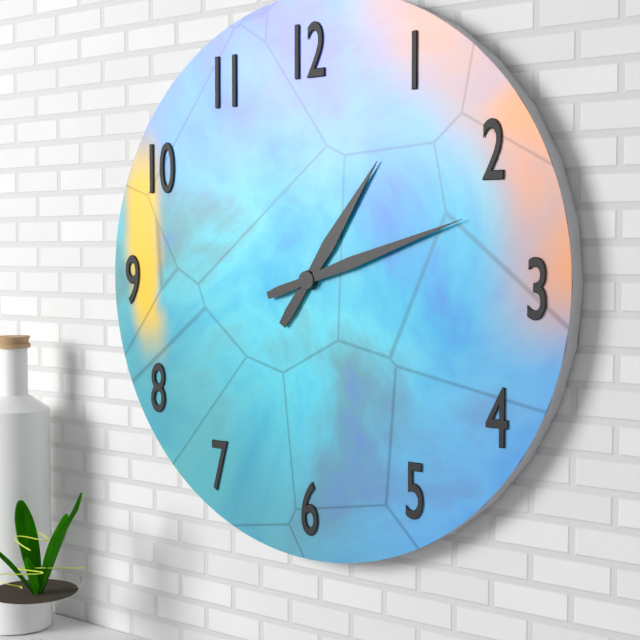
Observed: 1 h 12 min
